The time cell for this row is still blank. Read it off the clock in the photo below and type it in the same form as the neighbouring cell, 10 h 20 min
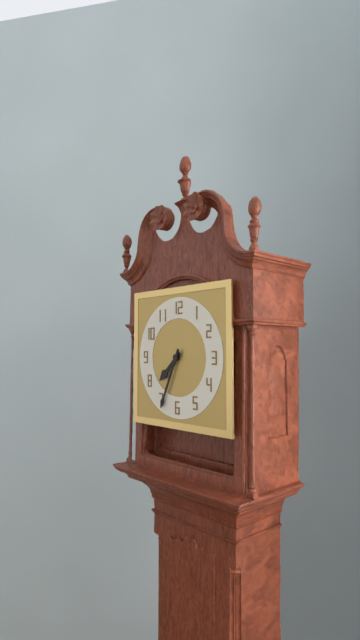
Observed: 7 h 34 min
